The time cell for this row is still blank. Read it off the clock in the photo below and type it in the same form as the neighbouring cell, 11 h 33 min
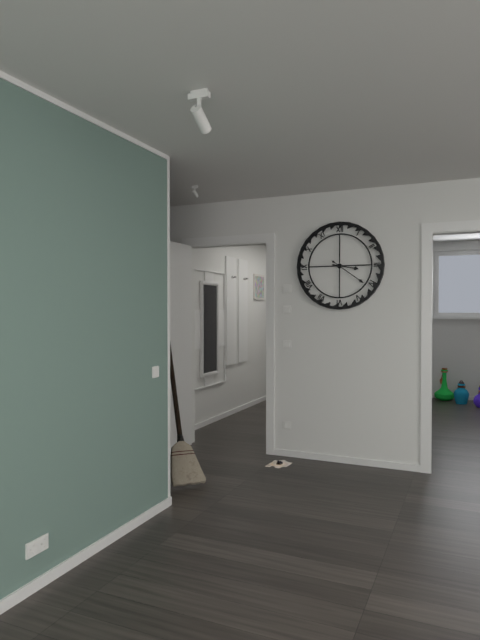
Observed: 3 h 21 min
